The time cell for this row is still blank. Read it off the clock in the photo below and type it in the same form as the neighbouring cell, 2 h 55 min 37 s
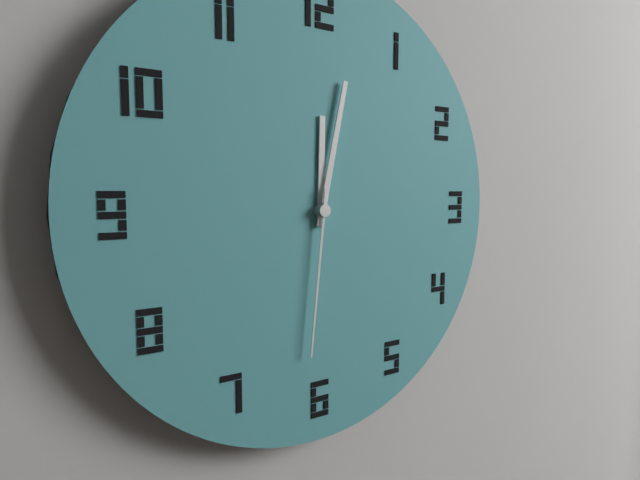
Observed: 12 h 02 min 31 s
